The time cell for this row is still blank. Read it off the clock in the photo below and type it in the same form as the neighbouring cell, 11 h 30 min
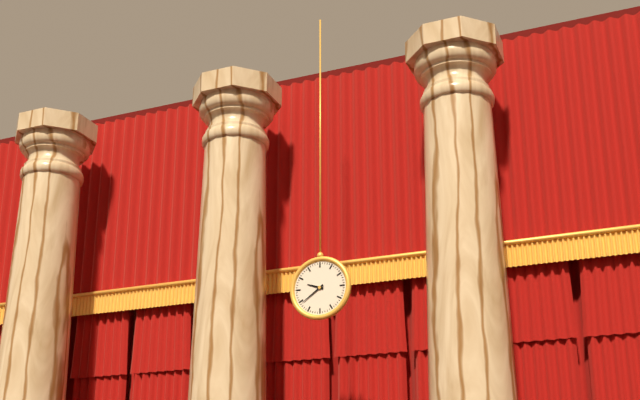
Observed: 9 h 39 min
